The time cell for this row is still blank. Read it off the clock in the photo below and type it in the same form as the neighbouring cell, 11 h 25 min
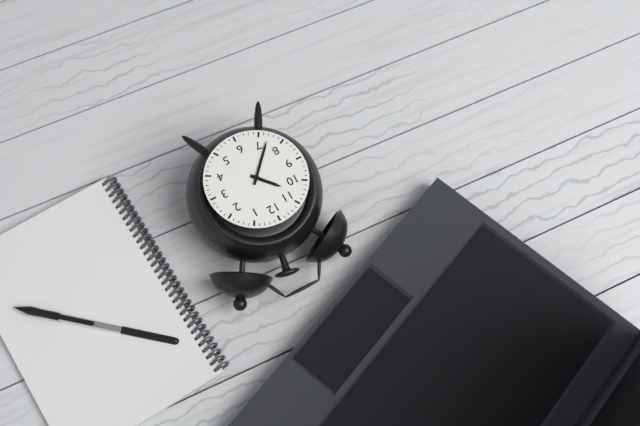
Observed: 10 h 37 min
